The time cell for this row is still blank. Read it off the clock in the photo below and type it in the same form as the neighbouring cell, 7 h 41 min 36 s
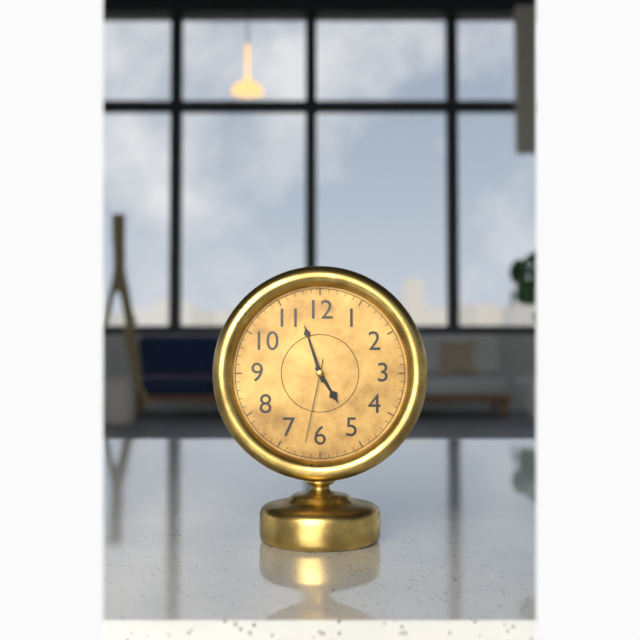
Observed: 4 h 57 min 32 s
